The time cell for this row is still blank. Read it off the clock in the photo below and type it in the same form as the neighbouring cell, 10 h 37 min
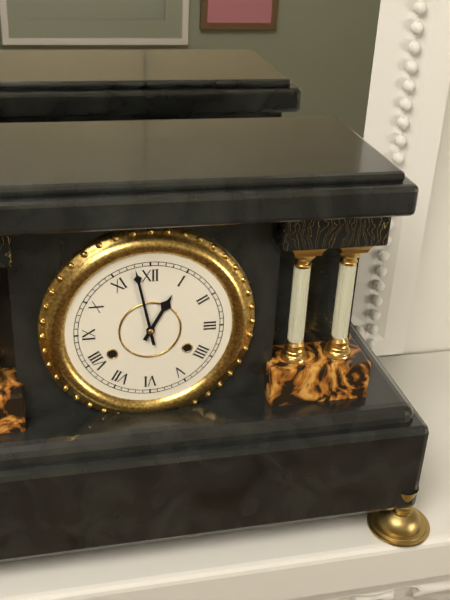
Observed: 12 h 58 min
